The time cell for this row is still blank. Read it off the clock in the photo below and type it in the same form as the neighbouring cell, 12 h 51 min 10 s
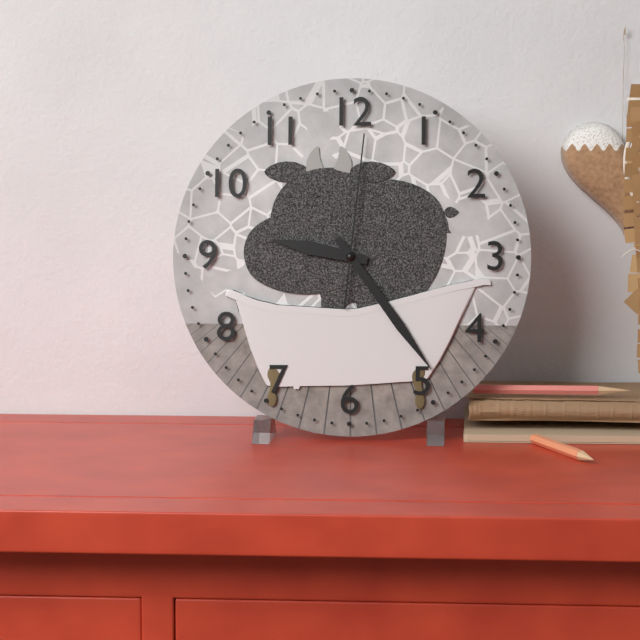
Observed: 9 h 24 min 01 s
